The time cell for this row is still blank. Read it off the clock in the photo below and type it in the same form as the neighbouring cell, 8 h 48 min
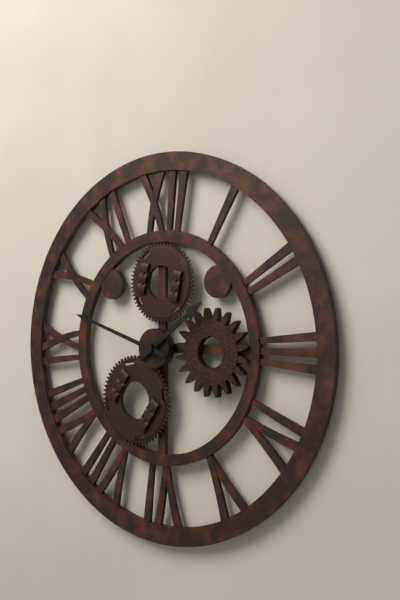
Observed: 1 h 48 min
